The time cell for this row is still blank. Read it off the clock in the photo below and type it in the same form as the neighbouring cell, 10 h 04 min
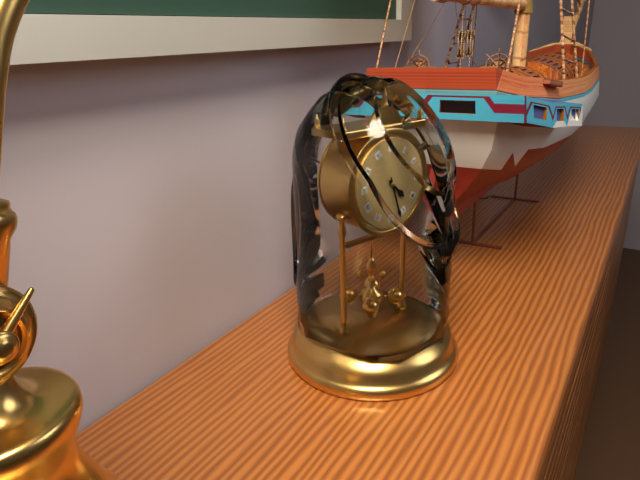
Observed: 4 h 27 min
